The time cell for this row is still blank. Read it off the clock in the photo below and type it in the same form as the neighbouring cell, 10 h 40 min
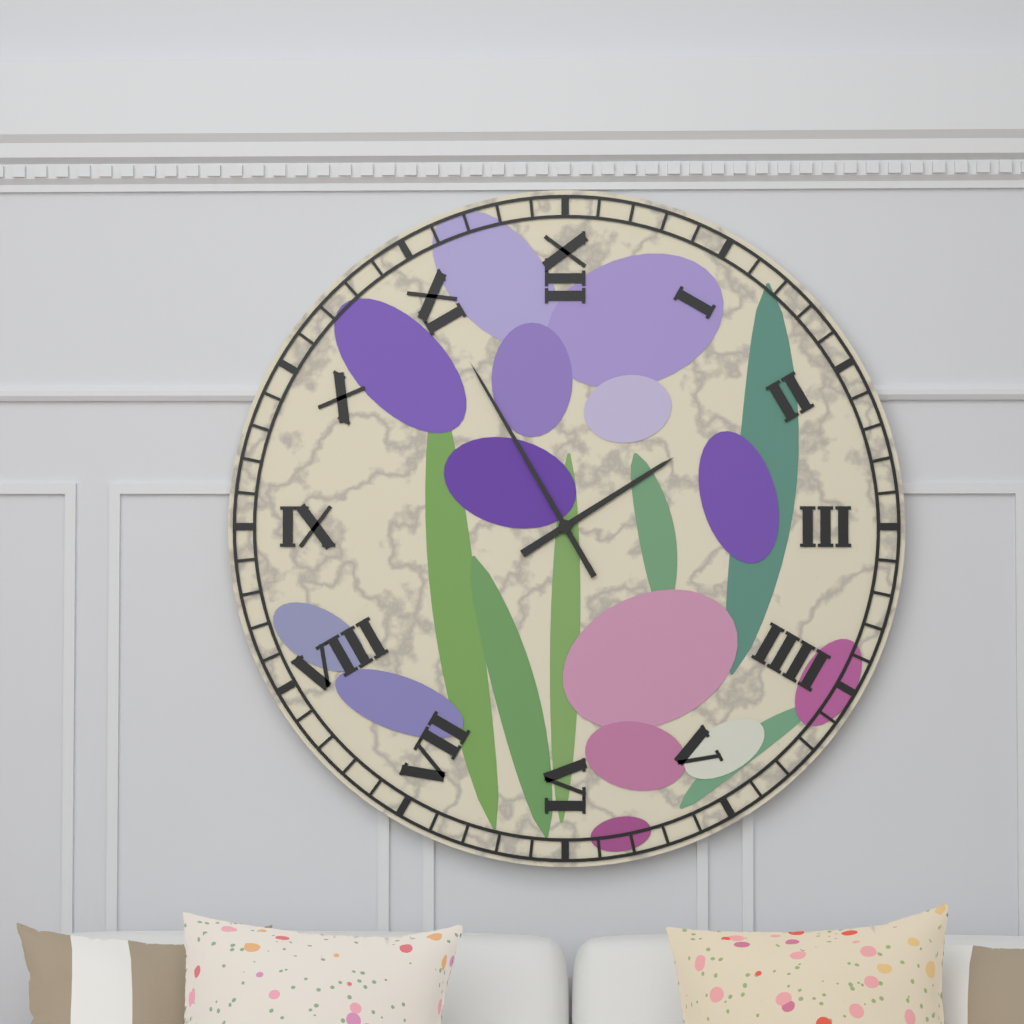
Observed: 1 h 55 min
